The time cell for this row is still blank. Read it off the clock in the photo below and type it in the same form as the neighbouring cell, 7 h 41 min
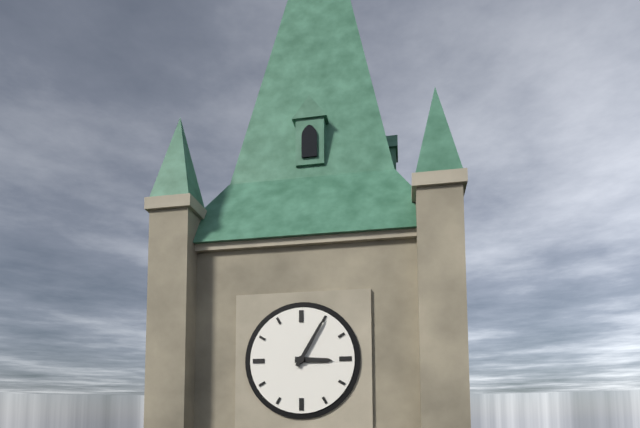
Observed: 3 h 05 min
